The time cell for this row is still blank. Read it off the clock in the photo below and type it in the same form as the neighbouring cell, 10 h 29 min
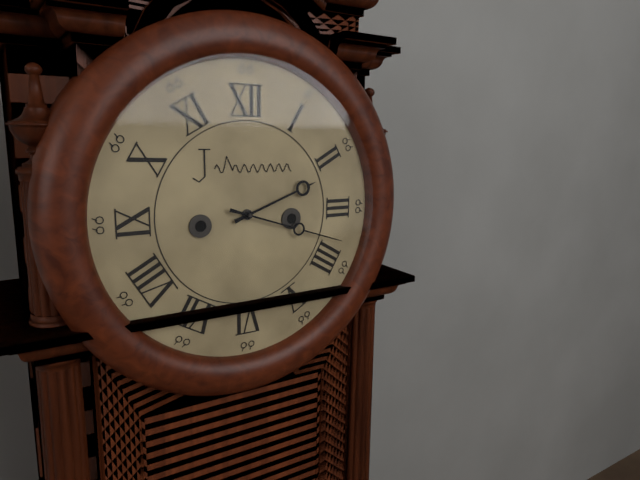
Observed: 2 h 18 min
